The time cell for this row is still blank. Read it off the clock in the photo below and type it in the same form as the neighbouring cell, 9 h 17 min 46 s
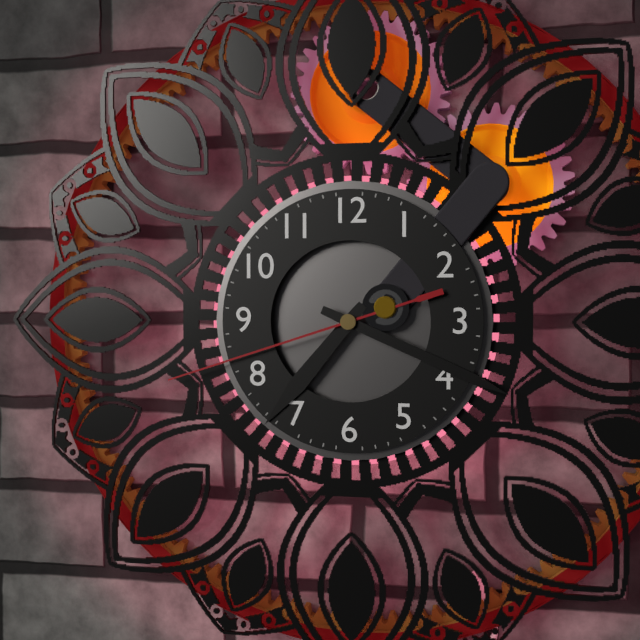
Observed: 7 h 19 min 42 s
